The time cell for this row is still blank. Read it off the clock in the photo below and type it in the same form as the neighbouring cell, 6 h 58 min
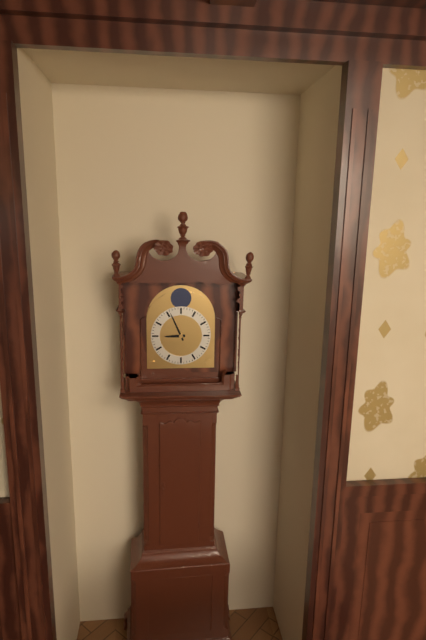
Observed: 8 h 56 min
